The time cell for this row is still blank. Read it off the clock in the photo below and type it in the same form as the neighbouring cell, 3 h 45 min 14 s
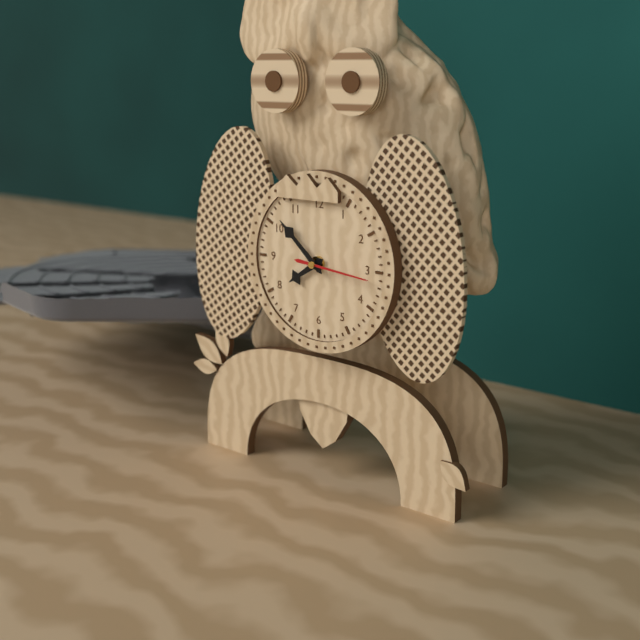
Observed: 7 h 52 min 16 s
